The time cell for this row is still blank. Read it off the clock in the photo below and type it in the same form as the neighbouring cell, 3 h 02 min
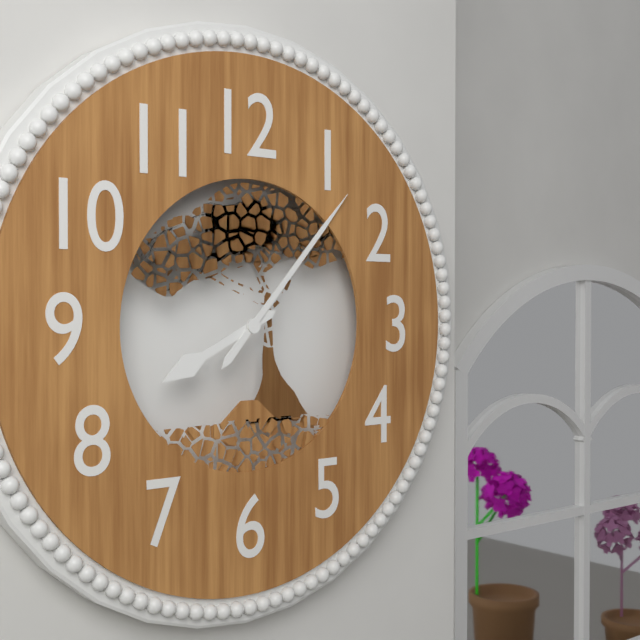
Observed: 8 h 07 min
